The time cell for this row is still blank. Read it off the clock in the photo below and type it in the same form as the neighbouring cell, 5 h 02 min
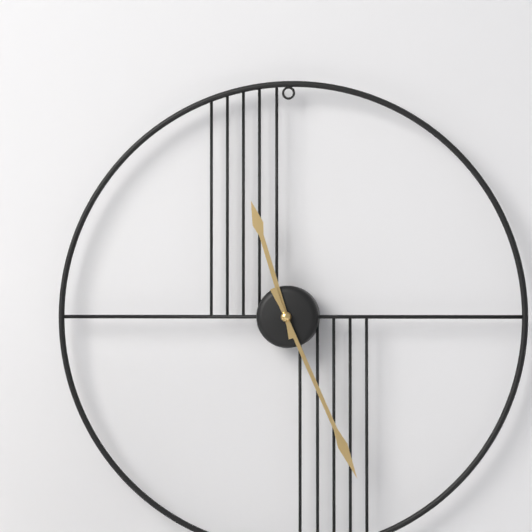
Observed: 11 h 26 min
